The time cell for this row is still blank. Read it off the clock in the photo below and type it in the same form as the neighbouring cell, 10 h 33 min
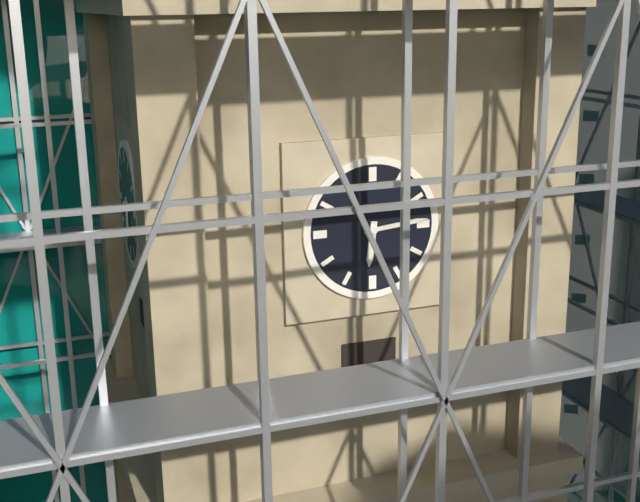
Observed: 6 h 14 min
